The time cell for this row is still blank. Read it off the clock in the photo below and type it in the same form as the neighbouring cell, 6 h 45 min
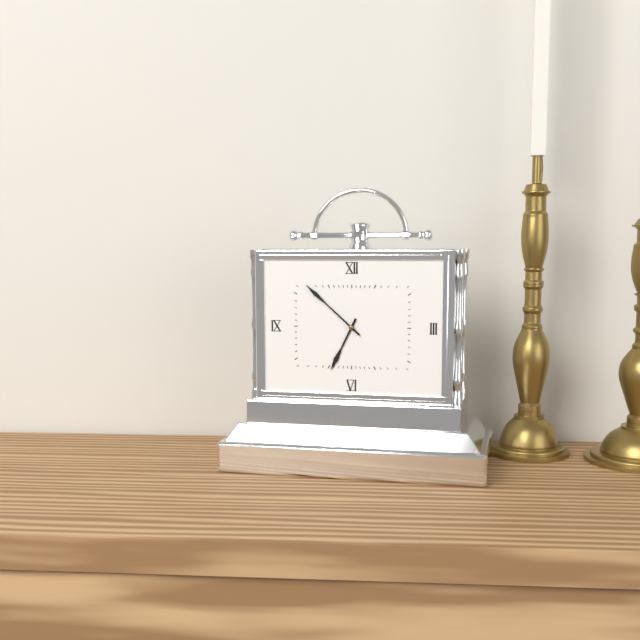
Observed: 6 h 52 min
